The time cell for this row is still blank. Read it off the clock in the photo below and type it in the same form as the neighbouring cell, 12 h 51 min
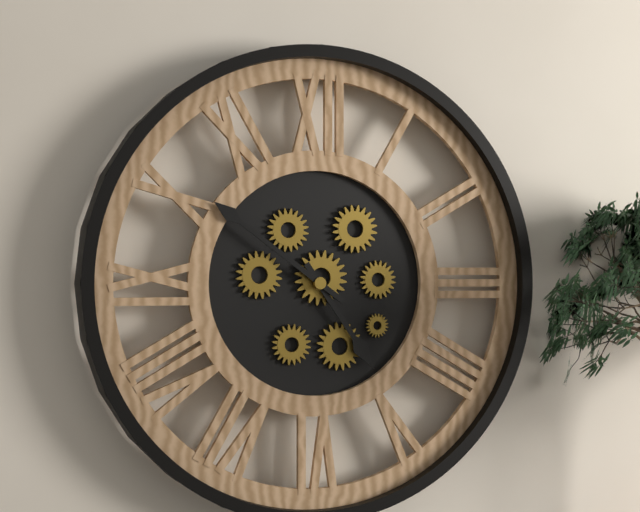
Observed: 4 h 51 min
